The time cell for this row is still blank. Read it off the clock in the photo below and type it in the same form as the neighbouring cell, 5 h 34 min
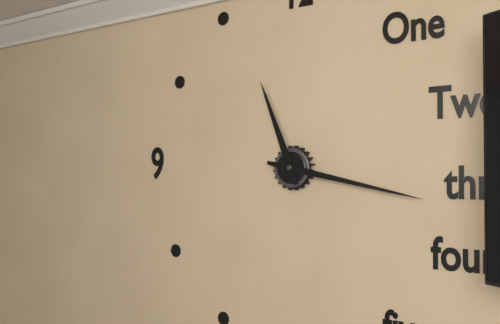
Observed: 11 h 17 min
